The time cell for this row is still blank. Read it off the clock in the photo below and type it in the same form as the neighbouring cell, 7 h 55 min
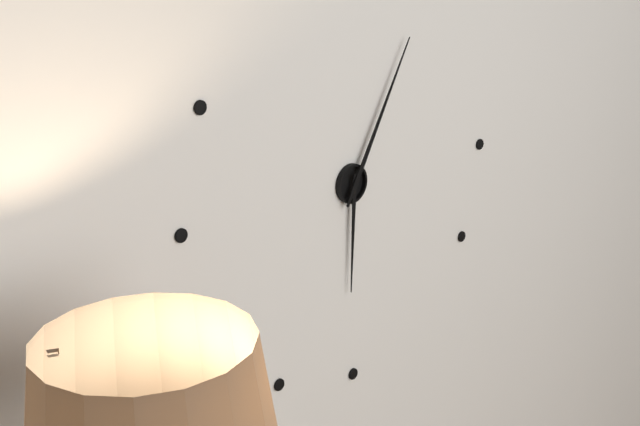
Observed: 6 h 05 min
